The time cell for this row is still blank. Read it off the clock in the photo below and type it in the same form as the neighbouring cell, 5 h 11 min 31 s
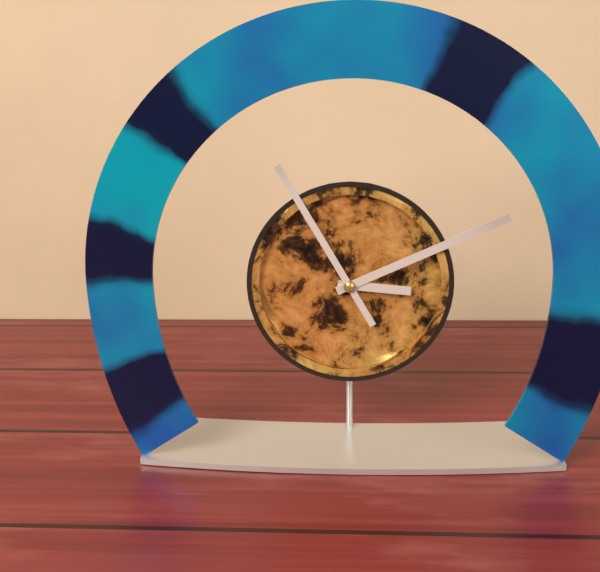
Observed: 3 h 11 min 55 s
